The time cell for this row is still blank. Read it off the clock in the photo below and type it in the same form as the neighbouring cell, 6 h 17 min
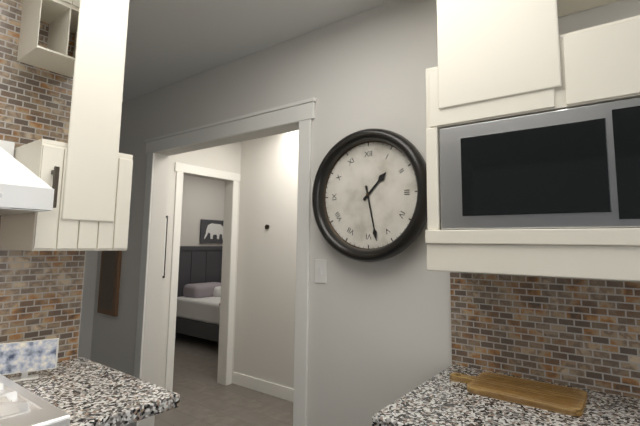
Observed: 1 h 28 min
